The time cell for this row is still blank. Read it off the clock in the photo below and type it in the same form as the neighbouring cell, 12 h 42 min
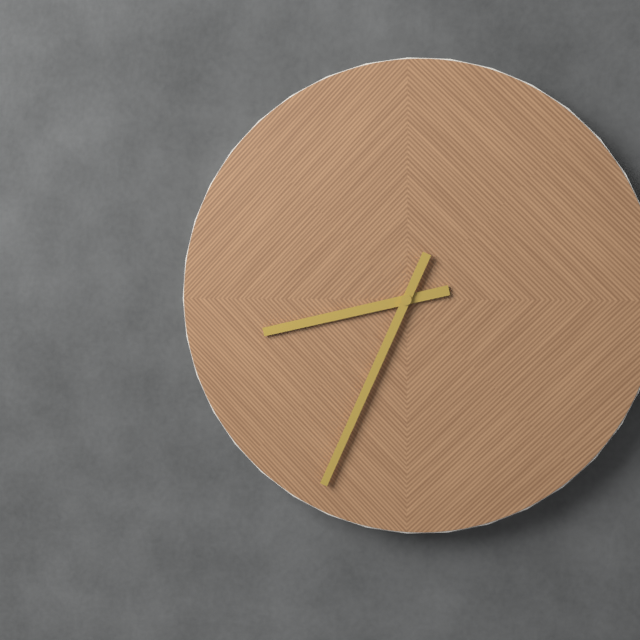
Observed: 8 h 34 min
